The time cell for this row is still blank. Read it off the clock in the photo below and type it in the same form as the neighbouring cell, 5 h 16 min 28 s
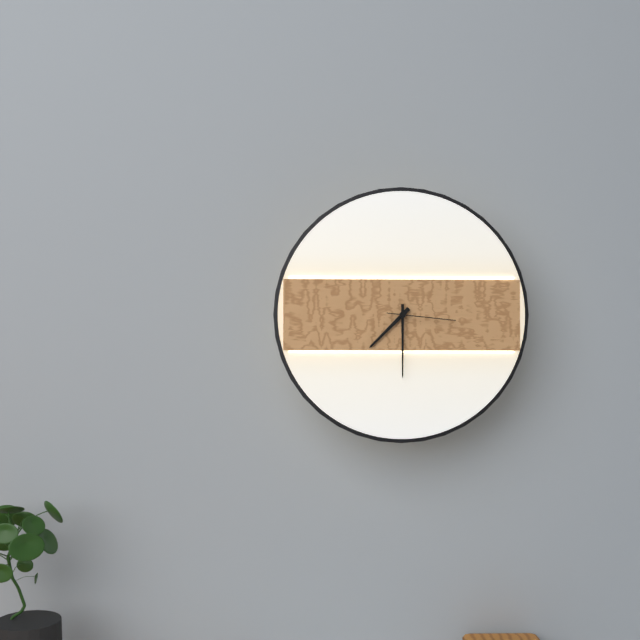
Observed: 7 h 30 min 16 s
